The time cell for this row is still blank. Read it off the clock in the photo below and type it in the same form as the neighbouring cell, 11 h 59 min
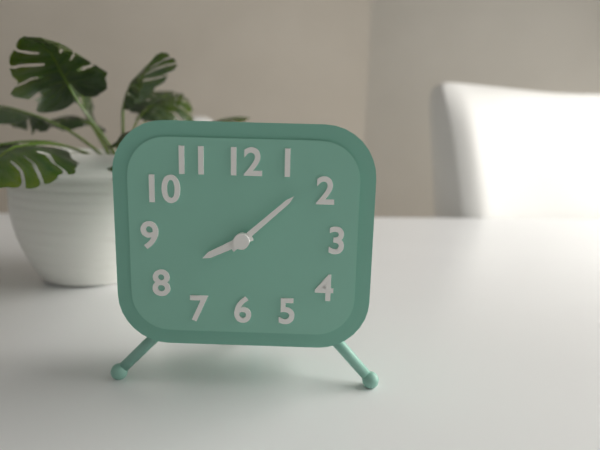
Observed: 8 h 08 min
